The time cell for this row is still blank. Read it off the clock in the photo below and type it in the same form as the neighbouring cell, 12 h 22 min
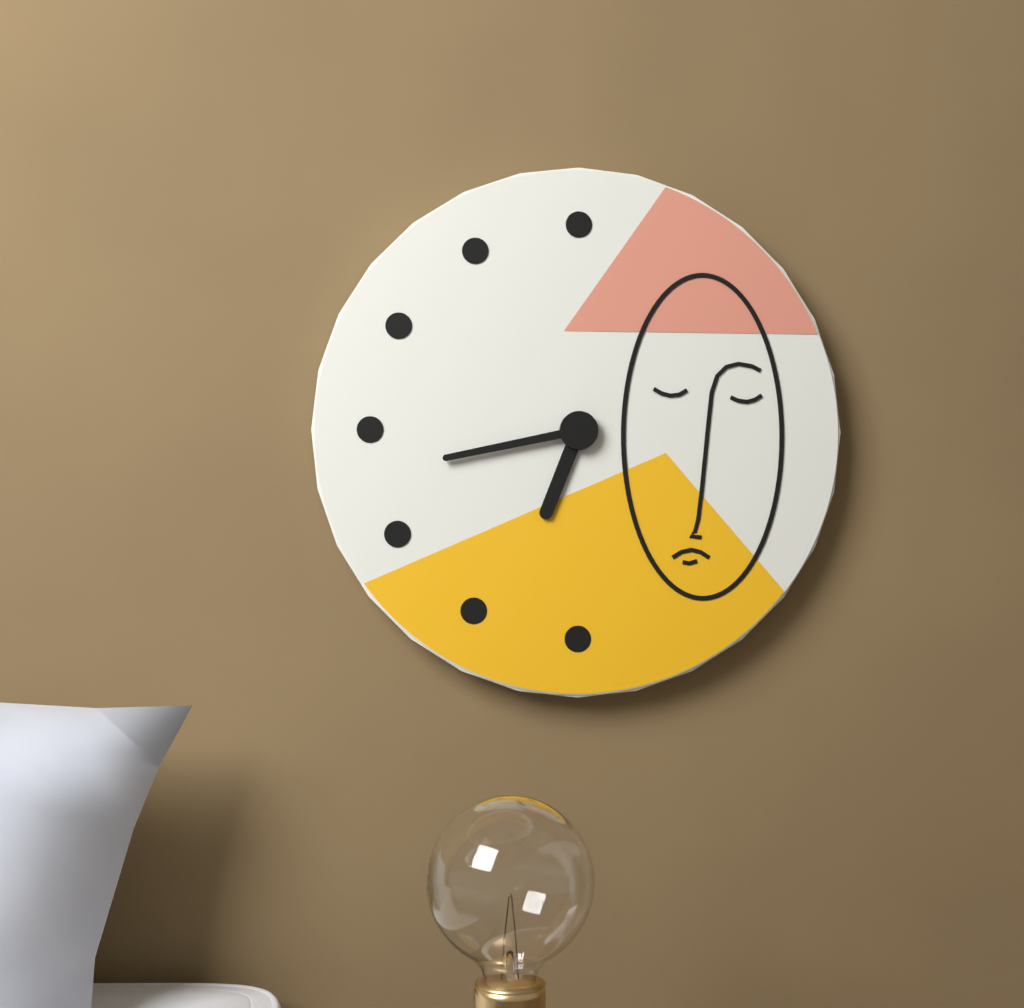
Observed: 6 h 43 min
